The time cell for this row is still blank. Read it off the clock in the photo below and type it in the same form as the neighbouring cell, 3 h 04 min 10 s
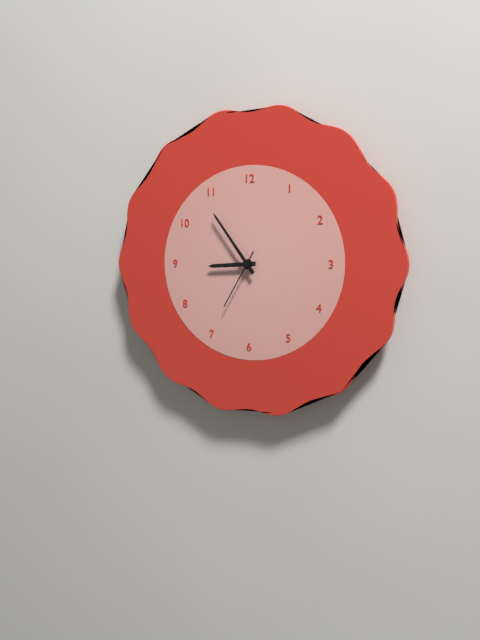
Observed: 8 h 54 min 35 s
